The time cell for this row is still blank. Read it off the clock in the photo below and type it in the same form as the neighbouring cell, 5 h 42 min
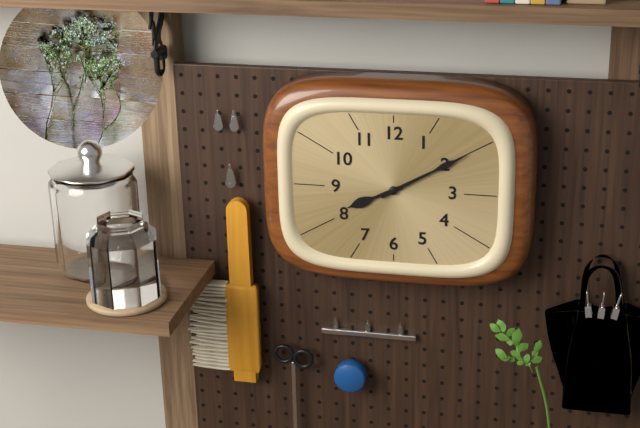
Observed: 8 h 10 min
